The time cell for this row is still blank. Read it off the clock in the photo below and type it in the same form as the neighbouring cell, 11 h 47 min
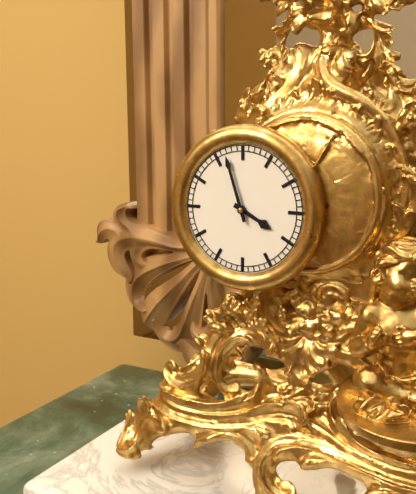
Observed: 3 h 57 min
